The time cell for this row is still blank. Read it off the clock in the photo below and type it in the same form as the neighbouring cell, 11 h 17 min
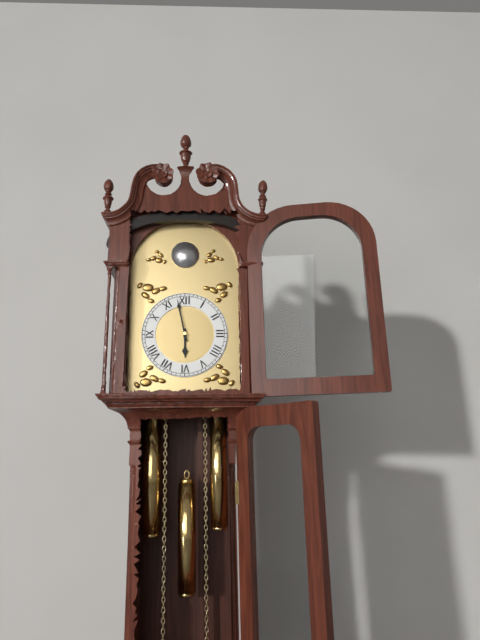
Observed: 5 h 58 min
